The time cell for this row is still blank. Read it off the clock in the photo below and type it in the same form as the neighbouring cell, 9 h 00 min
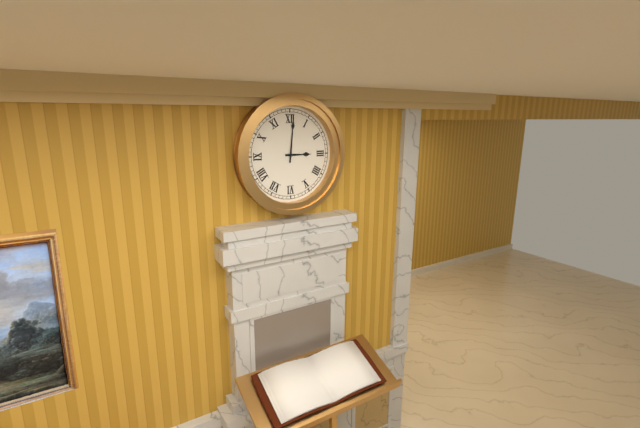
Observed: 3 h 01 min
